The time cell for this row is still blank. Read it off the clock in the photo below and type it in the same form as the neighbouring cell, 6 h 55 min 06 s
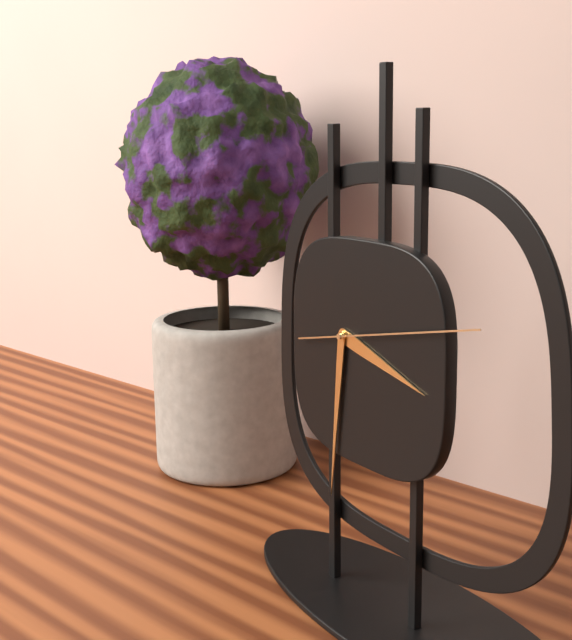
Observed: 3 h 31 min 13 s
